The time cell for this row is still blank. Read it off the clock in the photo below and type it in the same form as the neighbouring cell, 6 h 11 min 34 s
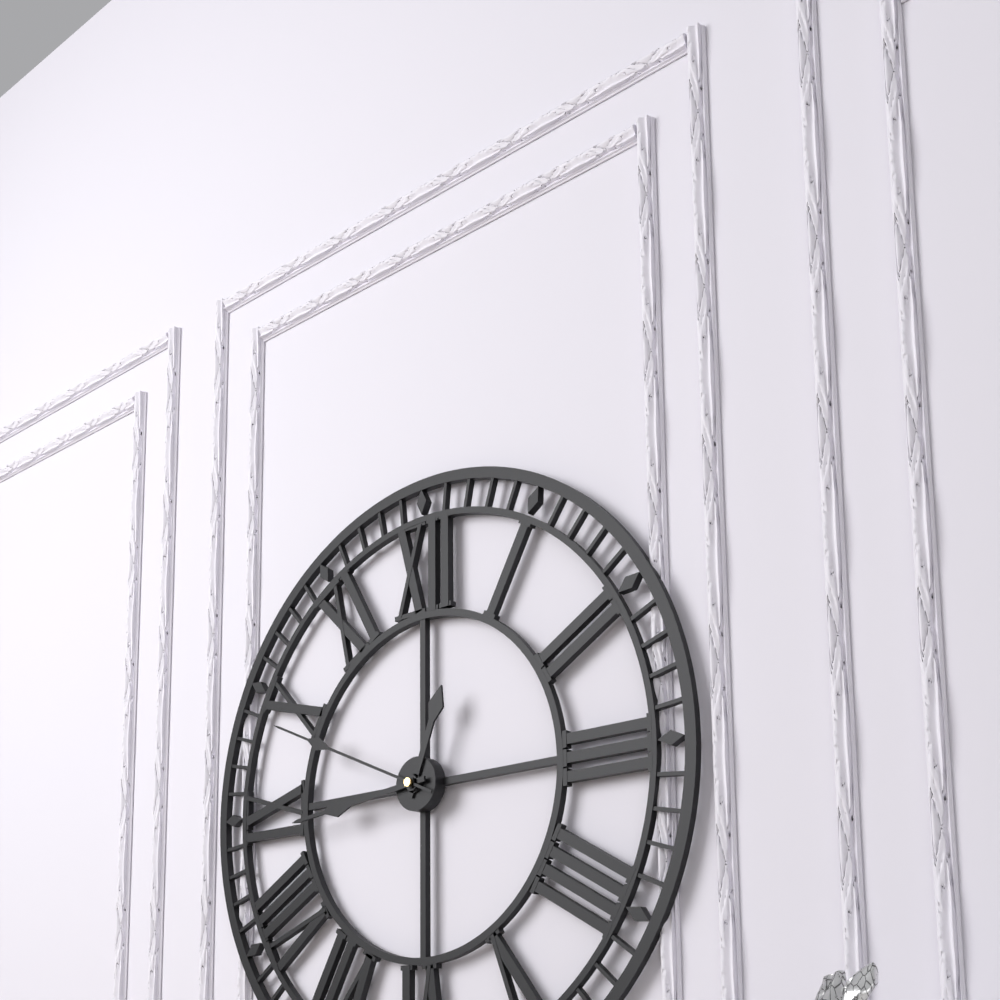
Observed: 12 h 44 min 49 s
